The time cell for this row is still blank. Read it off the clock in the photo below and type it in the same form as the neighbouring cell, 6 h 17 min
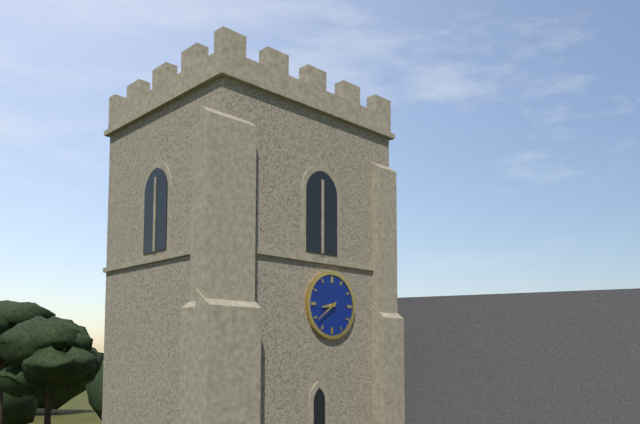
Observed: 8 h 39 min
